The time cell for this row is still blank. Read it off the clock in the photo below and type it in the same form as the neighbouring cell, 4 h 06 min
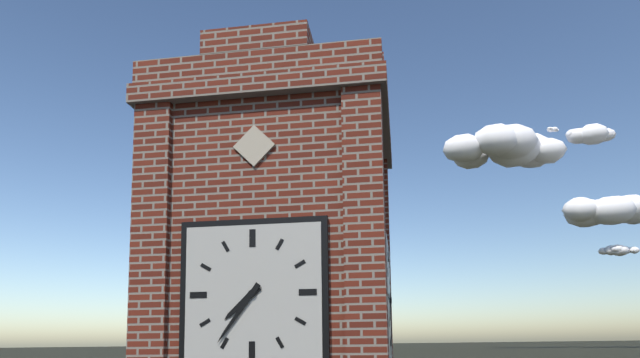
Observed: 7 h 36 min
